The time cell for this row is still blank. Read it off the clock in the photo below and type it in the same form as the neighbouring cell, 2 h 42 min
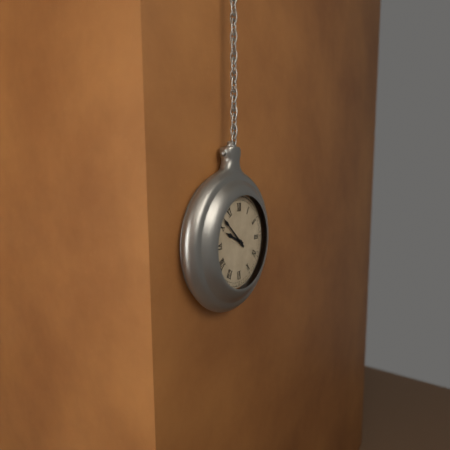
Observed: 9 h 52 min
